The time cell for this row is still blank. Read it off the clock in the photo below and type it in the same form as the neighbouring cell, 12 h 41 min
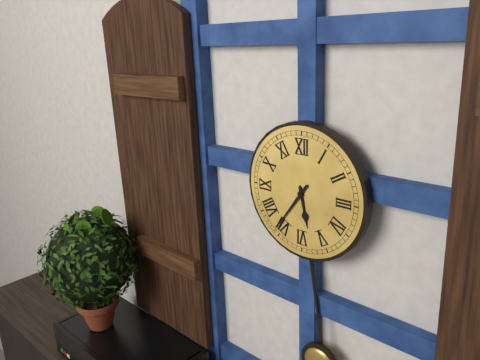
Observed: 5 h 36 min
